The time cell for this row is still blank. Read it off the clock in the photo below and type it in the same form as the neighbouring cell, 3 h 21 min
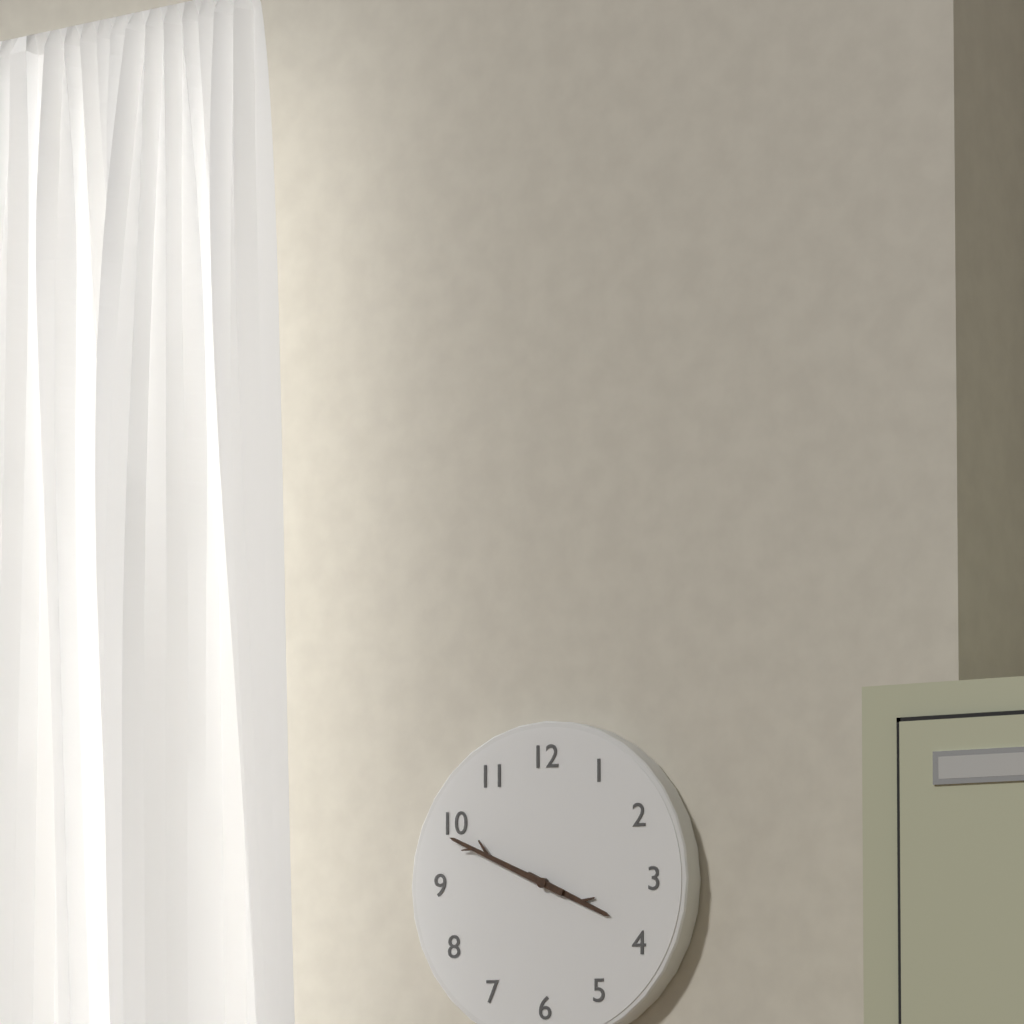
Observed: 3 h 49 min
